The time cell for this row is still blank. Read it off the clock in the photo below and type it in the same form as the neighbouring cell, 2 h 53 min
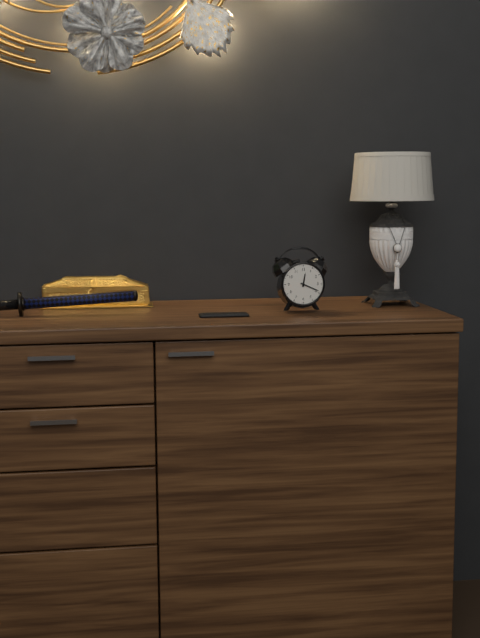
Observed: 12 h 19 min
